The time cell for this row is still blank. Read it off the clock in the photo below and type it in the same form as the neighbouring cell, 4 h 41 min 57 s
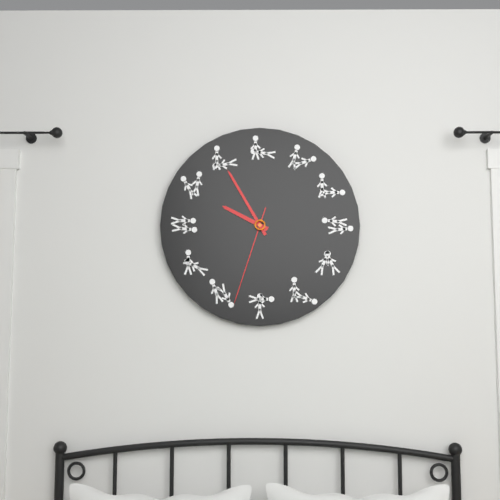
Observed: 9 h 55 min 33 s
